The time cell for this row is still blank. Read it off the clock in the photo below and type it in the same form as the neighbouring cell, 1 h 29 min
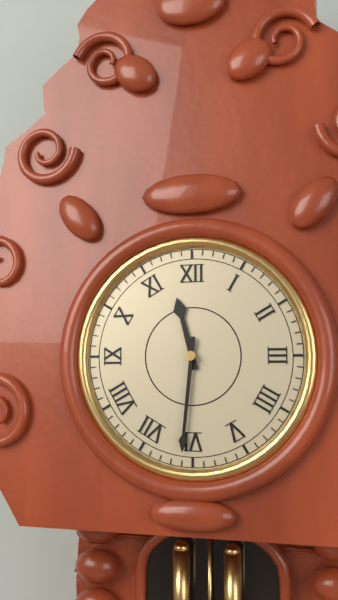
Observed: 11 h 31 min
